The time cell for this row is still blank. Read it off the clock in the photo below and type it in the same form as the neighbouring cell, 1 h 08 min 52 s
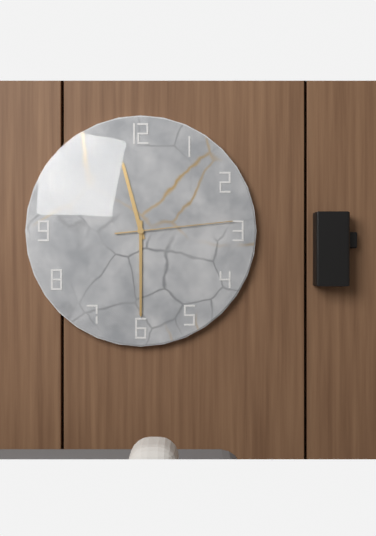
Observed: 11 h 30 min 14 s
